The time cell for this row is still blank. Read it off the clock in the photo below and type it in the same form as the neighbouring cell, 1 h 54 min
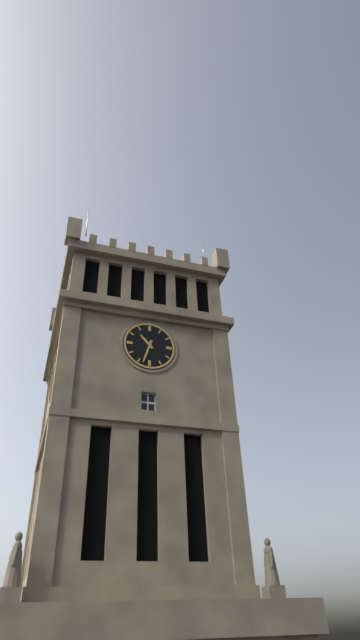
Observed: 10 h 33 min
